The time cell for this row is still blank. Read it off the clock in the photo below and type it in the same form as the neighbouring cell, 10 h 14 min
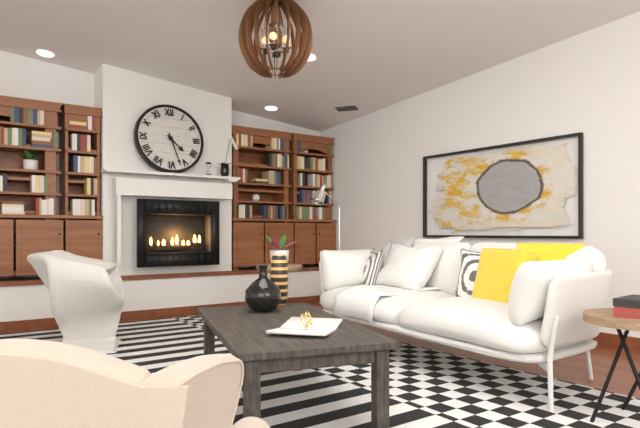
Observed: 4 h 27 min
